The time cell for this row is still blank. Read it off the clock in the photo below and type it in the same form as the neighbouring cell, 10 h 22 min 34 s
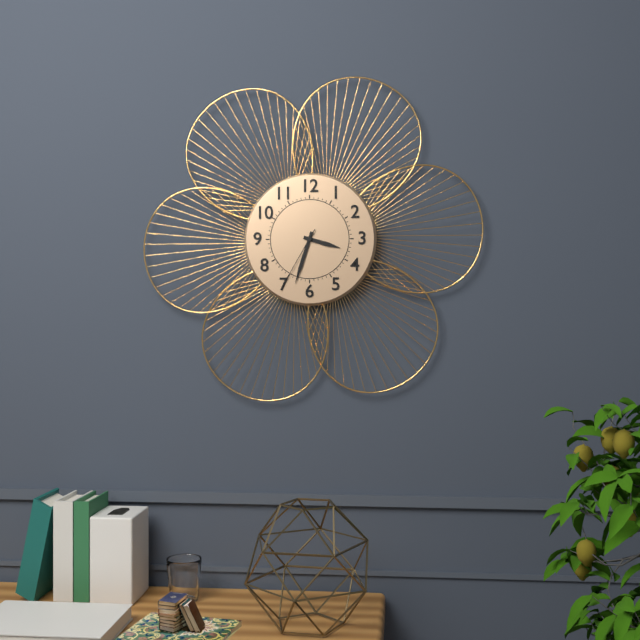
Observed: 3 h 33 min 35 s
